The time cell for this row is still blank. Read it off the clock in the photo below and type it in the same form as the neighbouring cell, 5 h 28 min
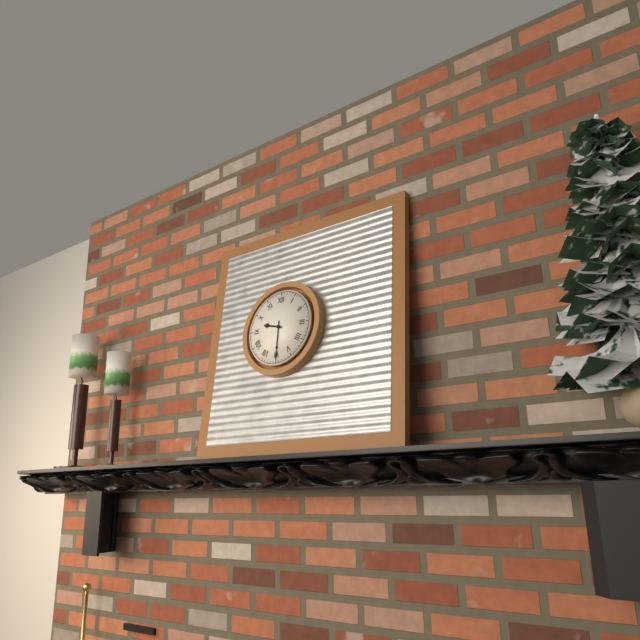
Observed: 9 h 30 min
